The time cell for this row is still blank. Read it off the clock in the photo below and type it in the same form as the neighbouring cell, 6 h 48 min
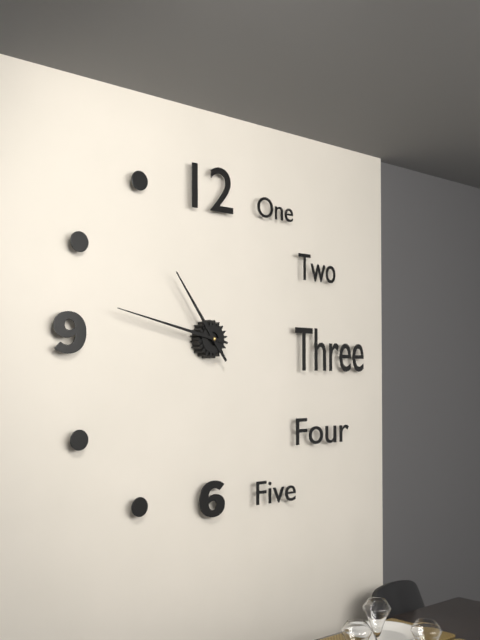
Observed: 10 h 47 min
